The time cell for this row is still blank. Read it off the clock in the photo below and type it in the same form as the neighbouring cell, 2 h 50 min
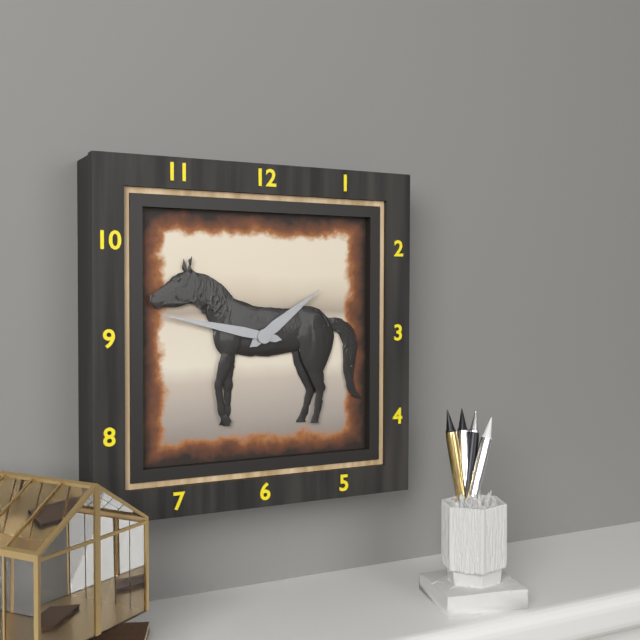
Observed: 1 h 47 min
